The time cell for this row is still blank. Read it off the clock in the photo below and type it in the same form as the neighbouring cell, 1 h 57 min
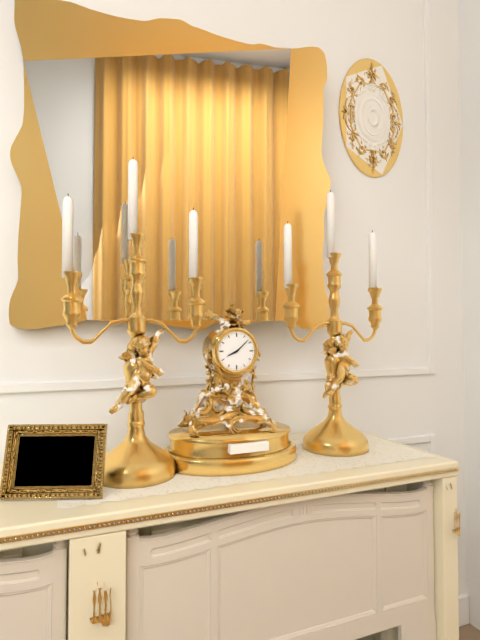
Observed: 8 h 08 min
